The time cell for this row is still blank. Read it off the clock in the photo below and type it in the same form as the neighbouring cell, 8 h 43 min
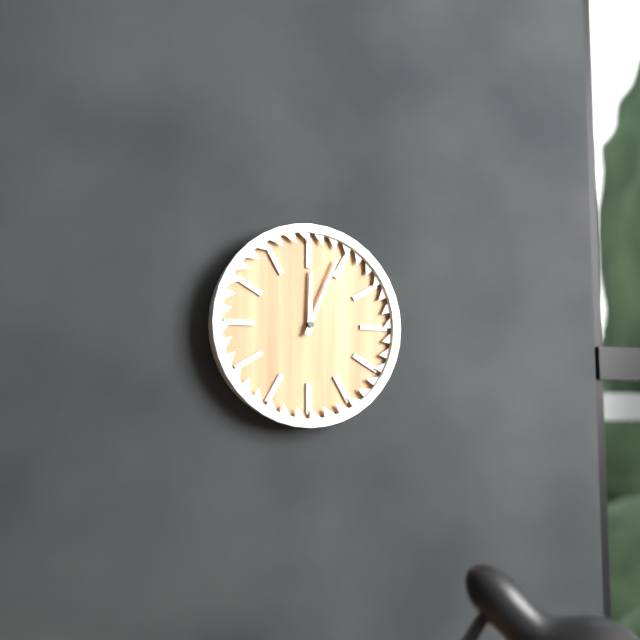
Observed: 12 h 04 min
